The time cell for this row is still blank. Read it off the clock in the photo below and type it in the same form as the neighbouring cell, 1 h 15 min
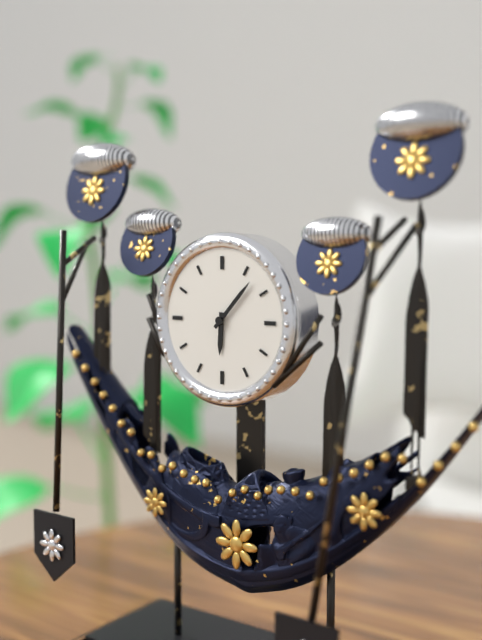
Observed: 6 h 07 min
